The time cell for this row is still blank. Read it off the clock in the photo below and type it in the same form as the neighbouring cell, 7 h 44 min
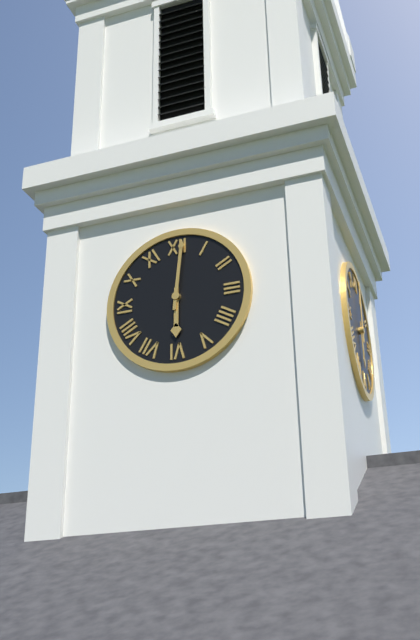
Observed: 6 h 01 min
